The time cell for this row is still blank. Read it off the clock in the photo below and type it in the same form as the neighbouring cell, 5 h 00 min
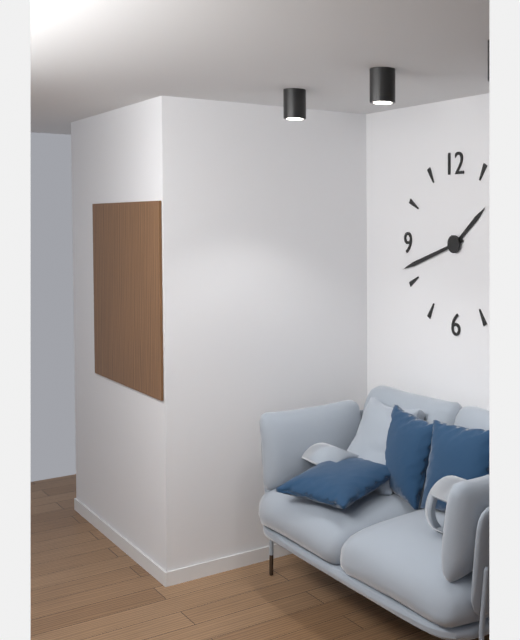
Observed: 1 h 42 min
